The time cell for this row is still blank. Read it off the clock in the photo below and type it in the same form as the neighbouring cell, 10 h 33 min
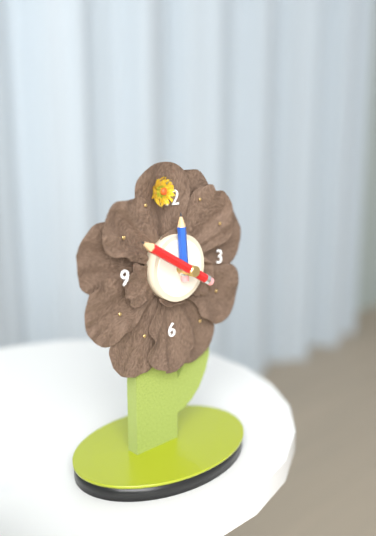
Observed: 11 h 50 min
